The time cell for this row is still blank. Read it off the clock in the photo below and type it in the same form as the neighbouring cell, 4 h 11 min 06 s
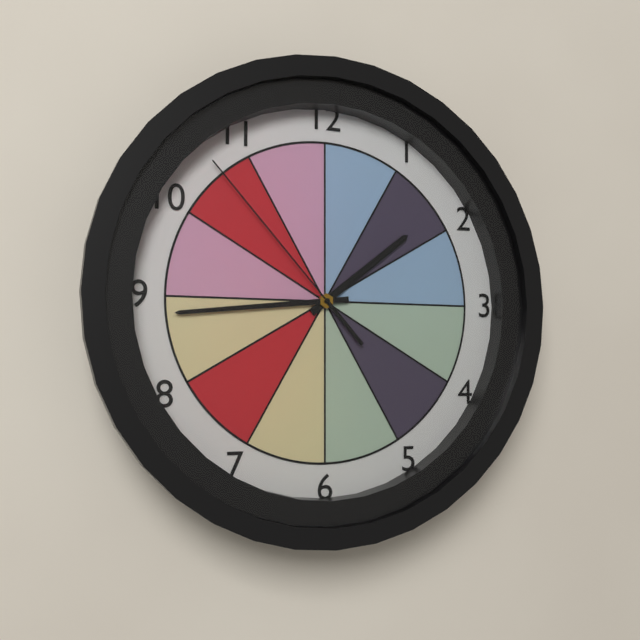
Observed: 1 h 44 min 53 s
